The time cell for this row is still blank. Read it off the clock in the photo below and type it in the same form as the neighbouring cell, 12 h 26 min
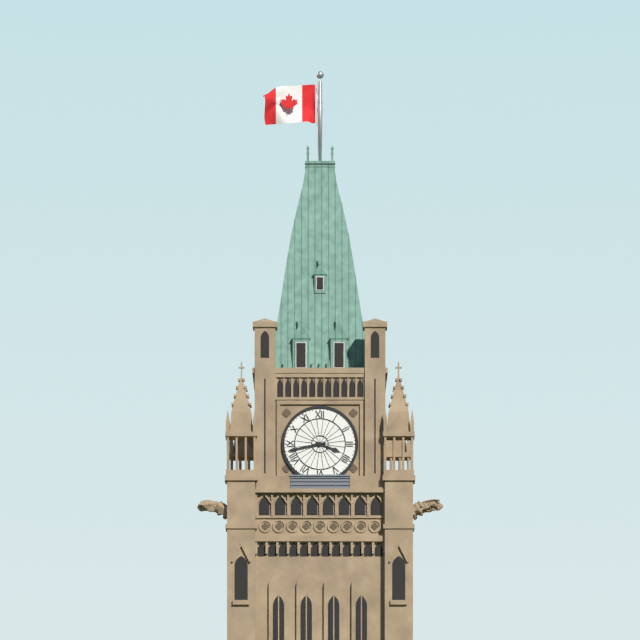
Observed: 3 h 43 min
